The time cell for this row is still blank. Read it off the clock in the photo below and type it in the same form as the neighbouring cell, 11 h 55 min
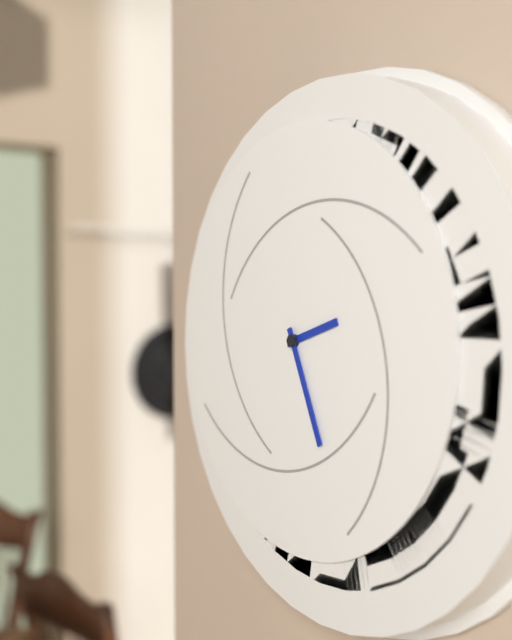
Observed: 2 h 26 min
